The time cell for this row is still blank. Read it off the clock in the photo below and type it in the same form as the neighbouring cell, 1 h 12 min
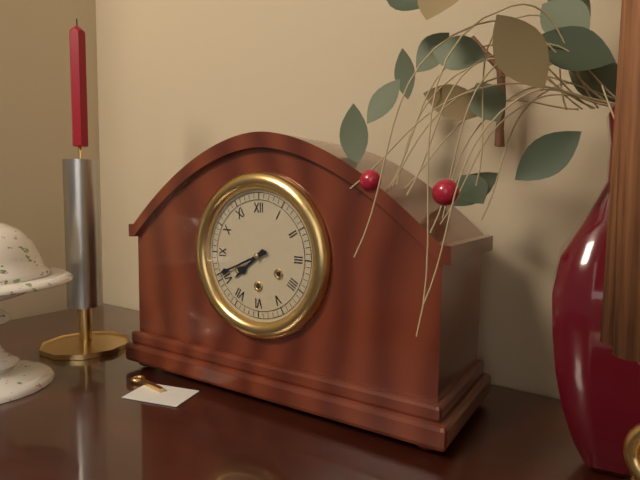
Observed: 7 h 41 min
